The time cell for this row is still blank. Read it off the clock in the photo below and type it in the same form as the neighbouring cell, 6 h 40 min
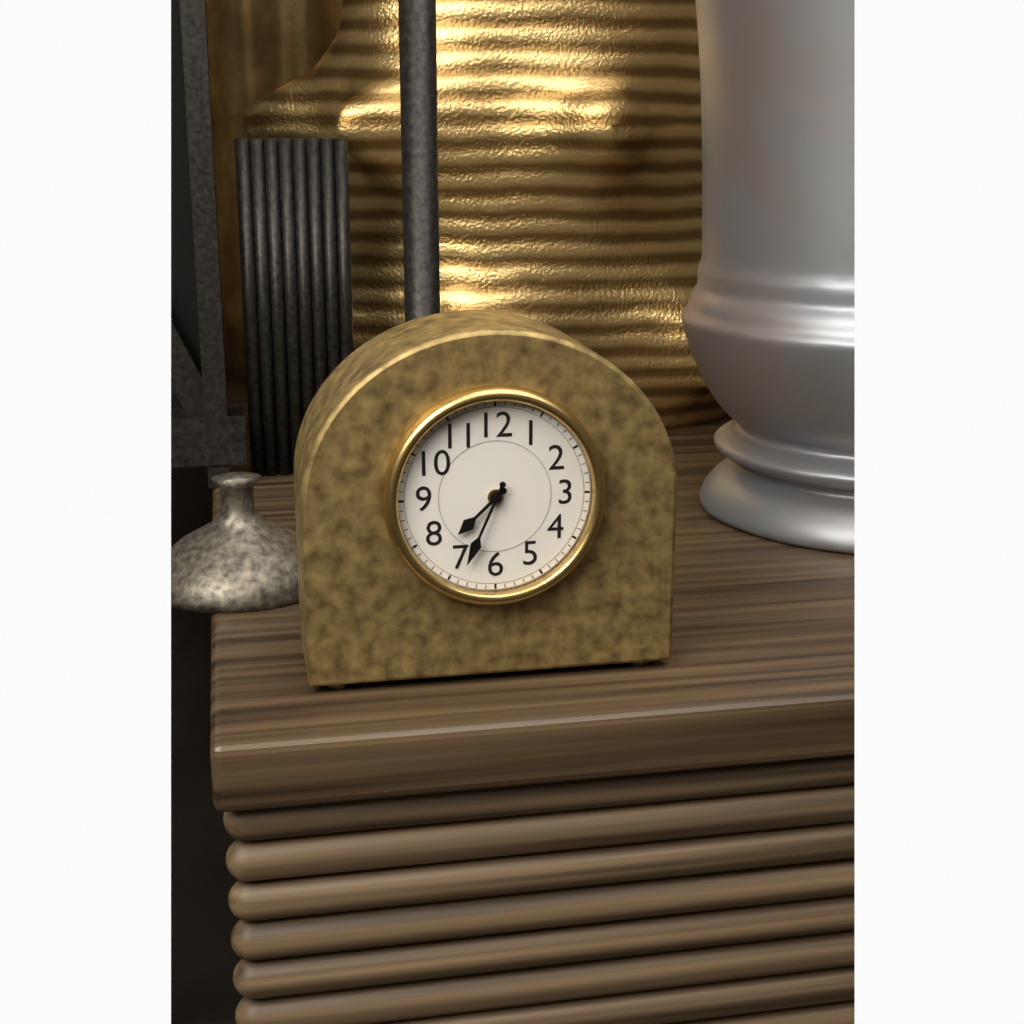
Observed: 7 h 34 min
